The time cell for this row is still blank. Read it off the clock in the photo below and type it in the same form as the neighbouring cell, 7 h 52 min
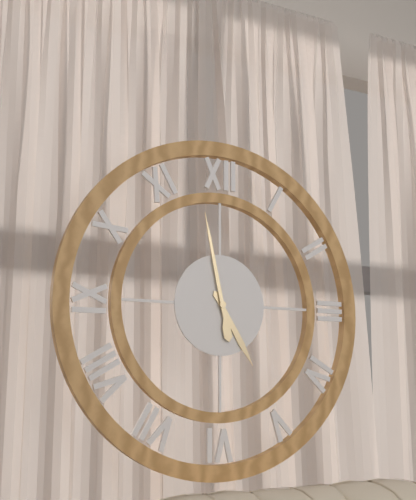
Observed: 4 h 58 min
